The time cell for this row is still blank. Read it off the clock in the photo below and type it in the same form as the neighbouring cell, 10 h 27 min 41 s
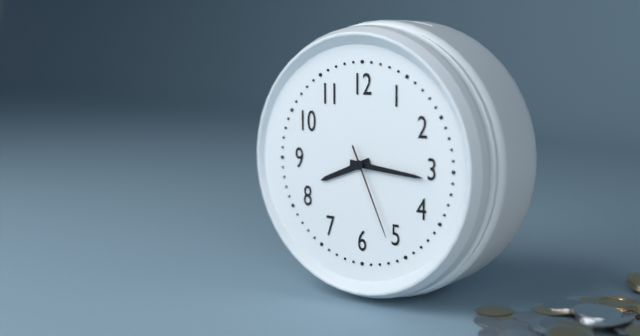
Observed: 8 h 16 min 26 s
